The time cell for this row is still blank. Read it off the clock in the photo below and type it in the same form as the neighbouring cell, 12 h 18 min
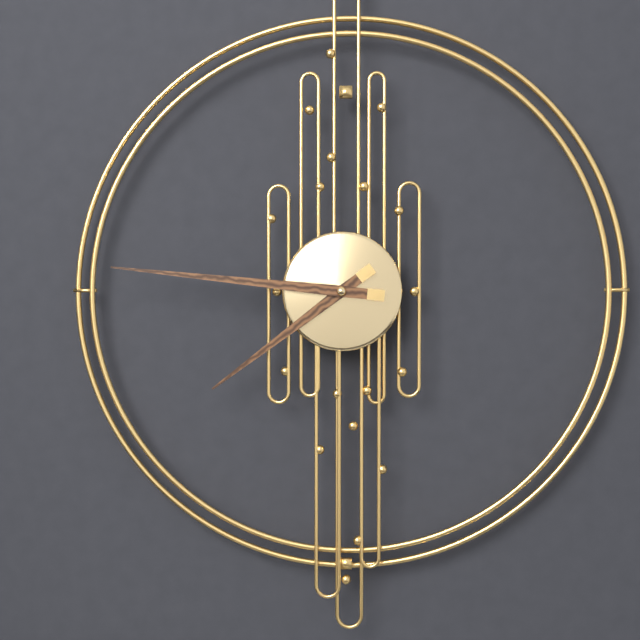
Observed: 7 h 46 min
